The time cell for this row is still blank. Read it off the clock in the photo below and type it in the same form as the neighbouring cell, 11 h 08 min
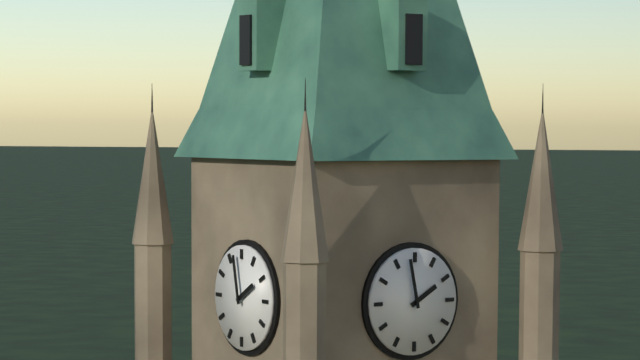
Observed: 1 h 58 min
